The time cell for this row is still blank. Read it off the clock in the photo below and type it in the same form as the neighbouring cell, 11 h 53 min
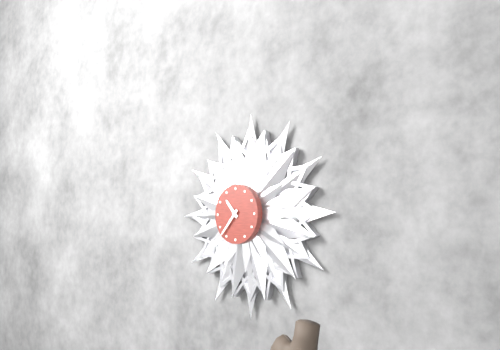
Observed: 10 h 37 min
